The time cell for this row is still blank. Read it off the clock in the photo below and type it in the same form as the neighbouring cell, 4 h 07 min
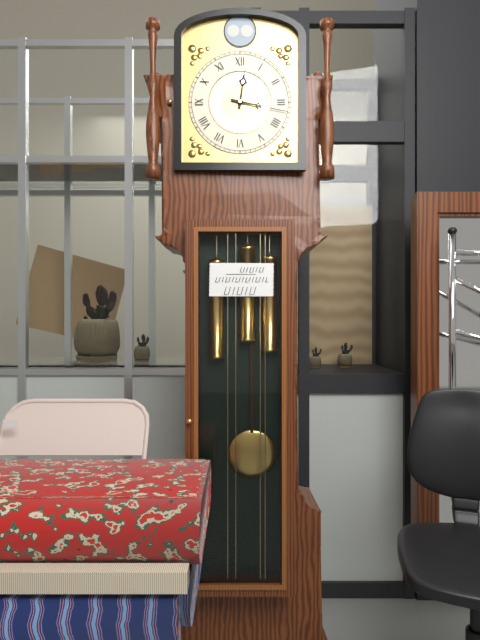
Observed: 12 h 17 min
